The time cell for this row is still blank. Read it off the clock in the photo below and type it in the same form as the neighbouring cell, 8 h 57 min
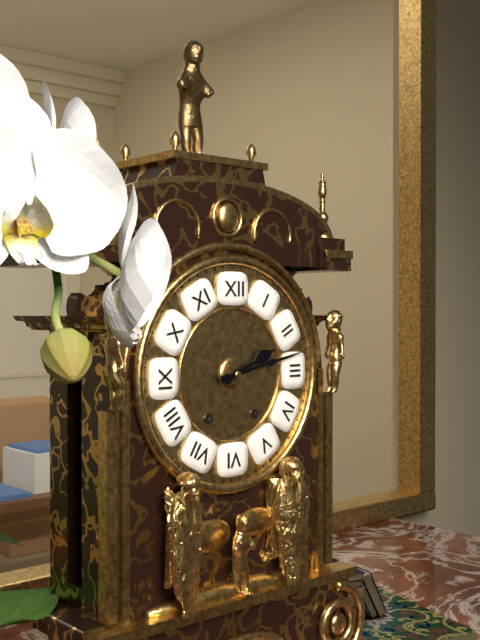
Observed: 2 h 13 min
